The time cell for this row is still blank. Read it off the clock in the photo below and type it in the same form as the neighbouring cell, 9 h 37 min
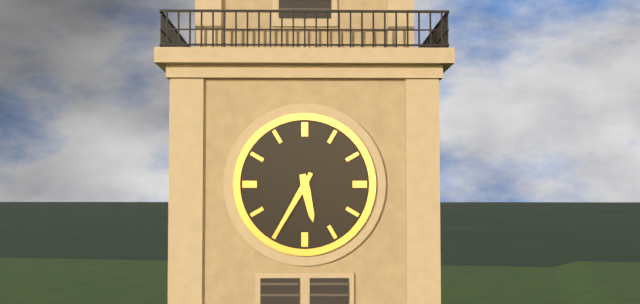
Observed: 5 h 35 min
